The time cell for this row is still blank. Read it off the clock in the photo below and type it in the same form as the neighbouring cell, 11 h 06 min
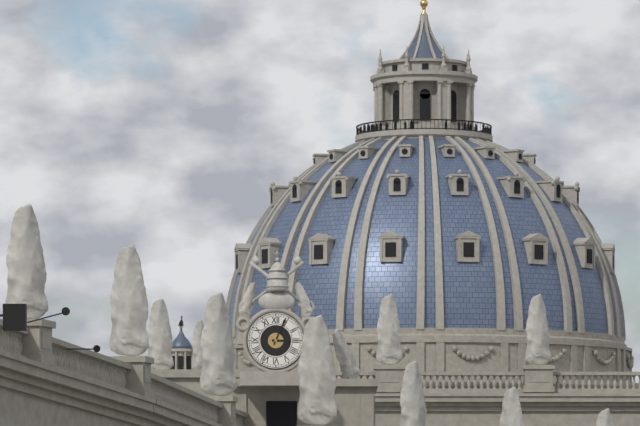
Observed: 3 h 04 min
